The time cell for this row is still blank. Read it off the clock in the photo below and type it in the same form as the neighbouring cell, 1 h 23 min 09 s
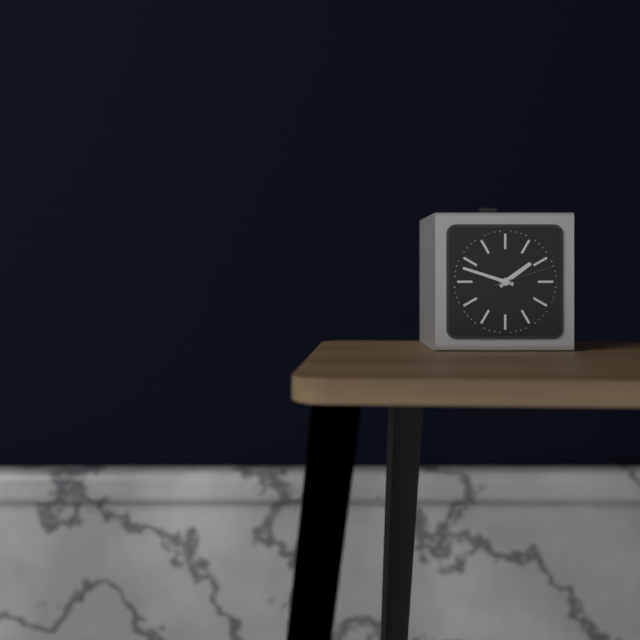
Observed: 1 h 48 min 12 s
